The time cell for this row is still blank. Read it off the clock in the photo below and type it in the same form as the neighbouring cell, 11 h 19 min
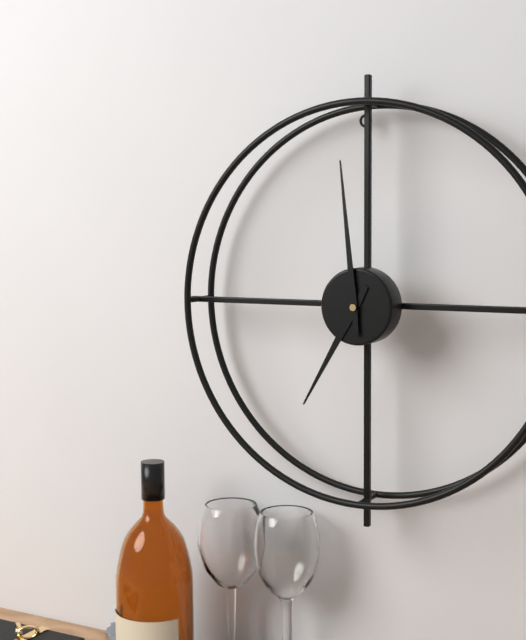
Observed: 6 h 59 min
